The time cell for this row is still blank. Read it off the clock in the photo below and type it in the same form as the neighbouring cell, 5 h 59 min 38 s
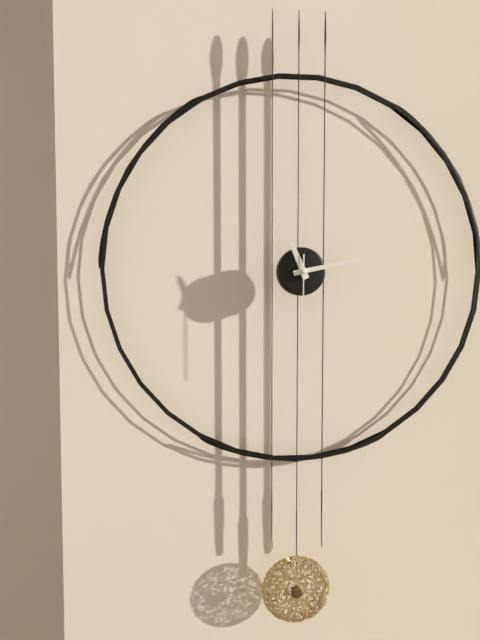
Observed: 11 h 13 min 30 s
